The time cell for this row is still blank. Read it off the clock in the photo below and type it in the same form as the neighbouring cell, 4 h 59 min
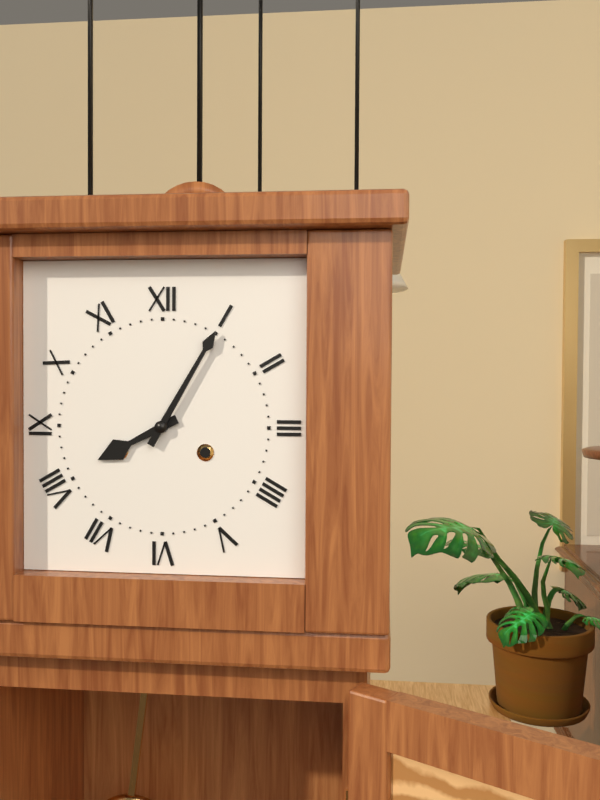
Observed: 8 h 05 min
